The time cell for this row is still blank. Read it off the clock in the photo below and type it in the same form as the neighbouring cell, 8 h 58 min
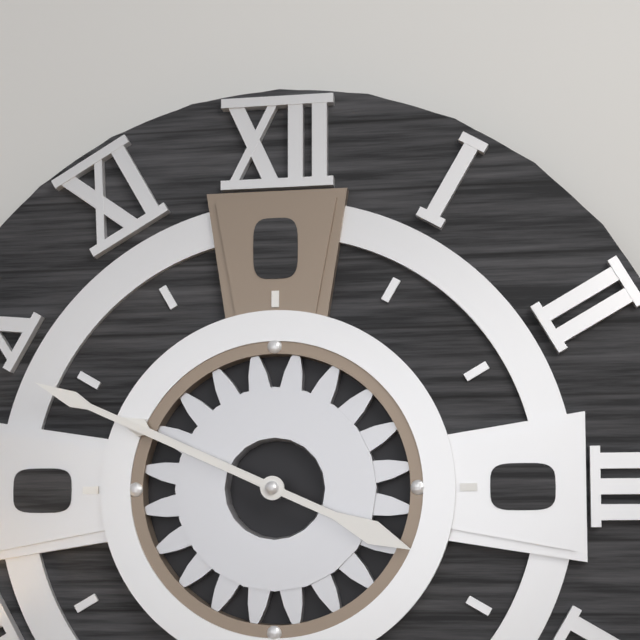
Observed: 9 h 49 min
